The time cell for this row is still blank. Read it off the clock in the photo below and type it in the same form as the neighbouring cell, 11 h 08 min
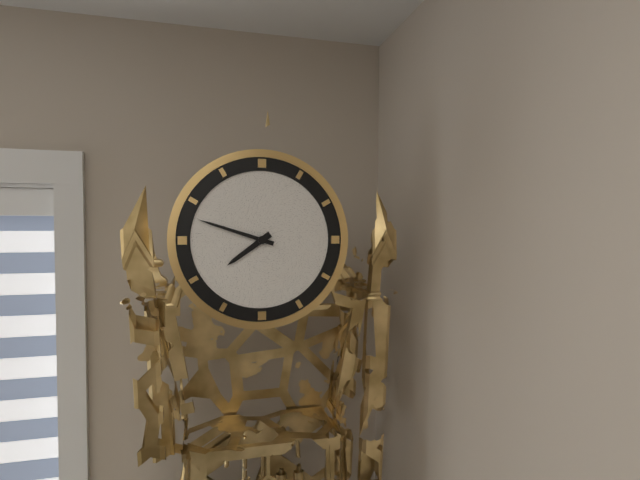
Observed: 7 h 48 min
